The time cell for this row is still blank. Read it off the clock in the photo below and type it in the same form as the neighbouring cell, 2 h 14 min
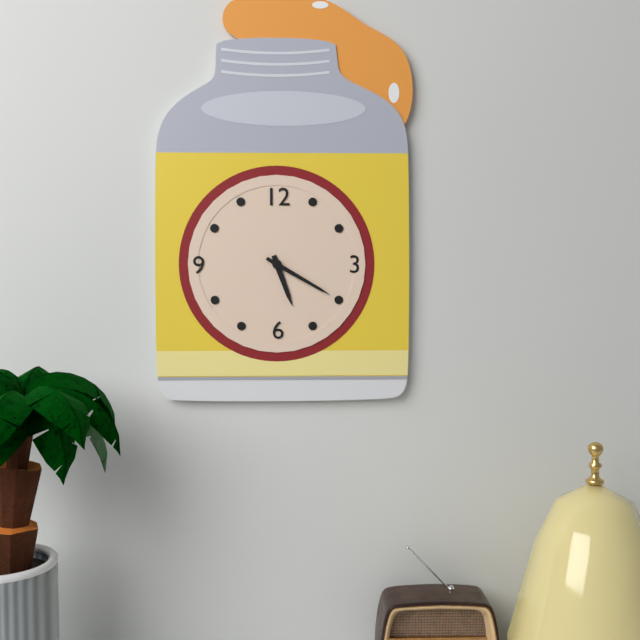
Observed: 5 h 20 min
